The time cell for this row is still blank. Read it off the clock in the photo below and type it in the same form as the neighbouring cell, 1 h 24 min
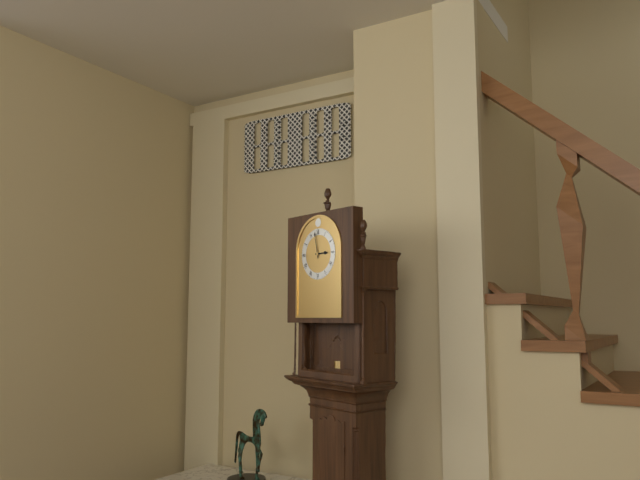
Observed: 2 h 58 min
